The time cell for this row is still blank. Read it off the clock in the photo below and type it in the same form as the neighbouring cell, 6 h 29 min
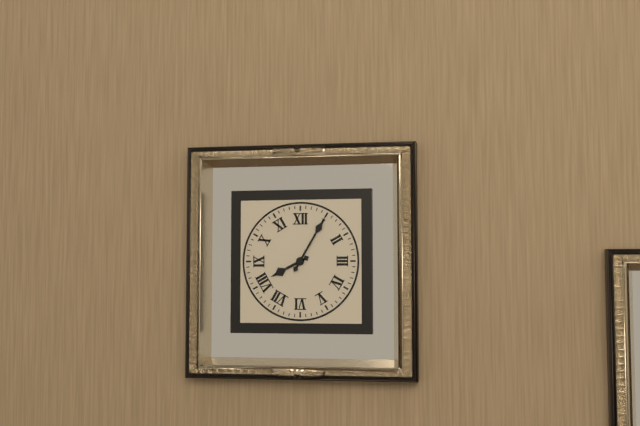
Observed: 8 h 05 min
